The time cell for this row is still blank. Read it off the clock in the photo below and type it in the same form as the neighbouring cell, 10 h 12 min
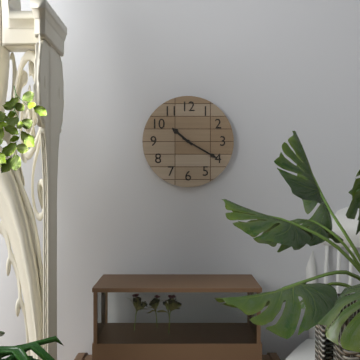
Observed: 10 h 20 min
